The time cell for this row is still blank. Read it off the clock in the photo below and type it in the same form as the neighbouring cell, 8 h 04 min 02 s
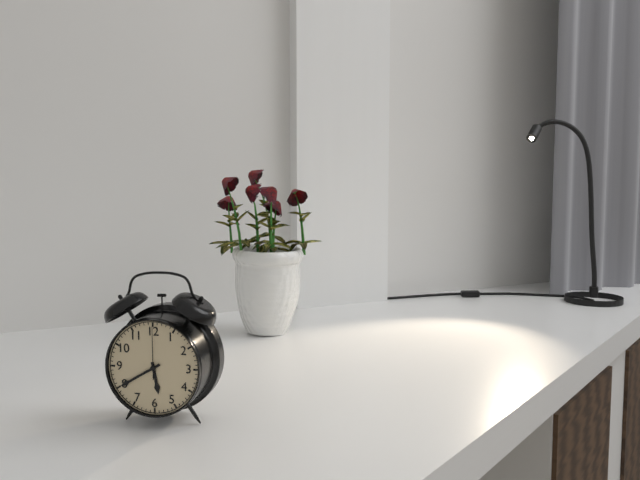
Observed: 5 h 40 min 00 s
